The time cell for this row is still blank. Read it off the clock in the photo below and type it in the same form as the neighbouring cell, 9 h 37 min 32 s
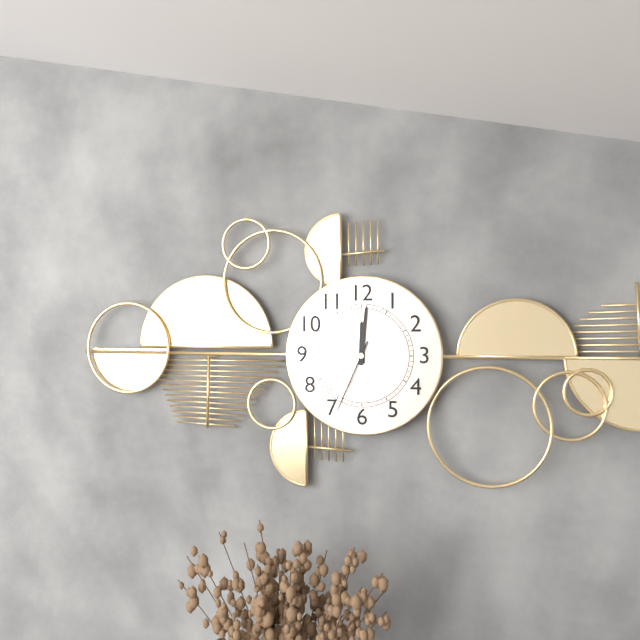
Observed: 12 h 01 min 34 s
